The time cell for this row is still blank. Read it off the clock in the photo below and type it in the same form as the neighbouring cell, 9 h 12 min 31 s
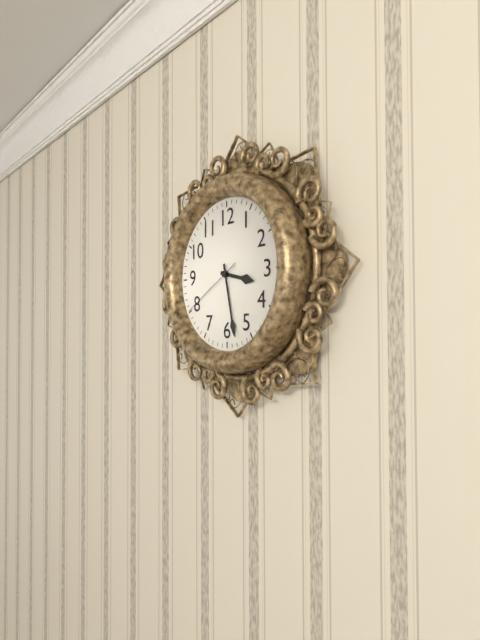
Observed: 3 h 28 min 40 s
